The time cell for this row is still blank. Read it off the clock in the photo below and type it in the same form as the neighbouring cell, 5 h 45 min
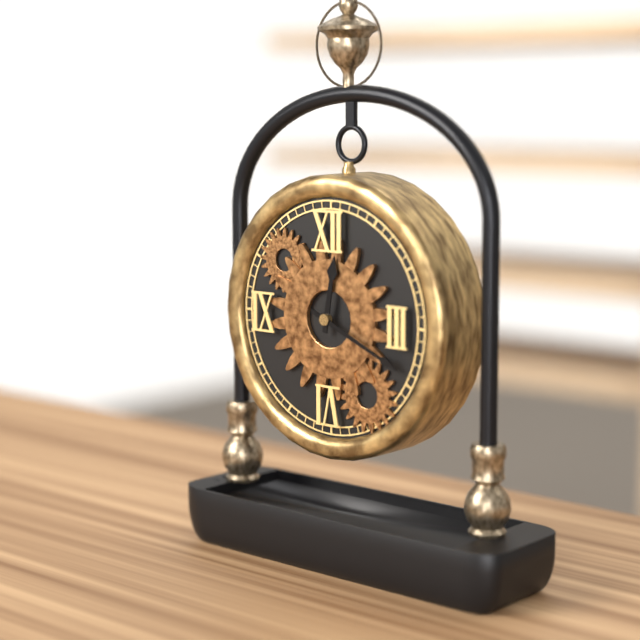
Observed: 12 h 19 min
